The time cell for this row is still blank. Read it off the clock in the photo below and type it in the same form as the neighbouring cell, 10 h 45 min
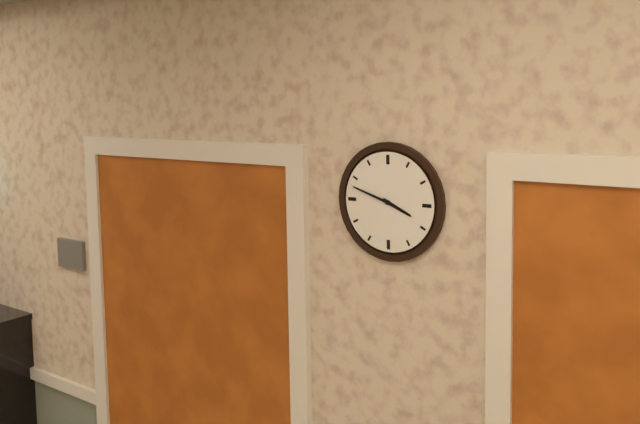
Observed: 3 h 48 min
